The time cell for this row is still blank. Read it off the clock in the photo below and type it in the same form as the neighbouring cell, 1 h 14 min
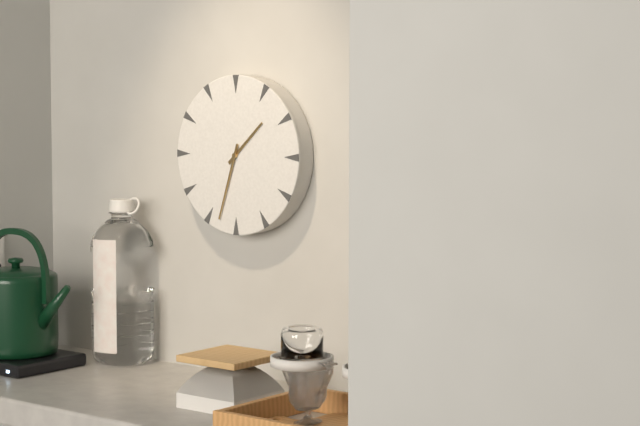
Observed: 1 h 33 min
